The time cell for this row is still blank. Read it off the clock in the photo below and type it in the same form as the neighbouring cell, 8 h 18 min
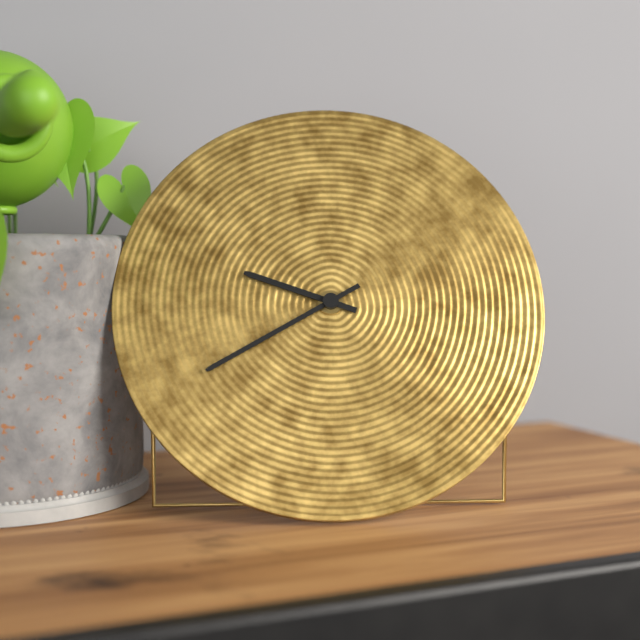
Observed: 9 h 40 min
